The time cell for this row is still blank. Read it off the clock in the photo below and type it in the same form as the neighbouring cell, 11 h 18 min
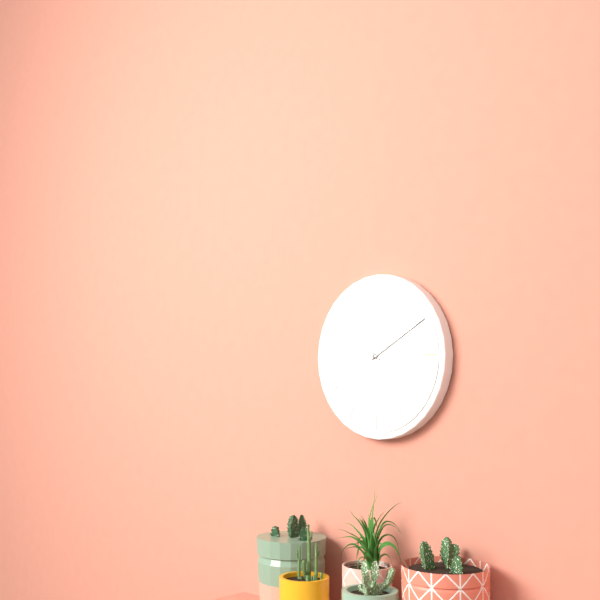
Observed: 10 h 10 min
